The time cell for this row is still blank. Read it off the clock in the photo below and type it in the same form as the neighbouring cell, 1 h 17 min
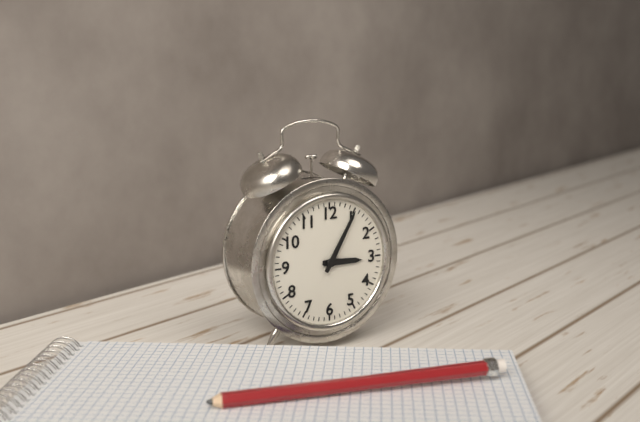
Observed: 3 h 05 min
